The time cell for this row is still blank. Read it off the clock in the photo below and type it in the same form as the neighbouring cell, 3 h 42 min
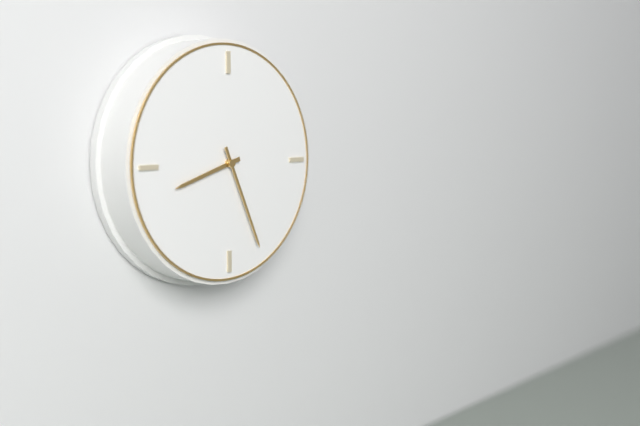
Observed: 8 h 26 min
